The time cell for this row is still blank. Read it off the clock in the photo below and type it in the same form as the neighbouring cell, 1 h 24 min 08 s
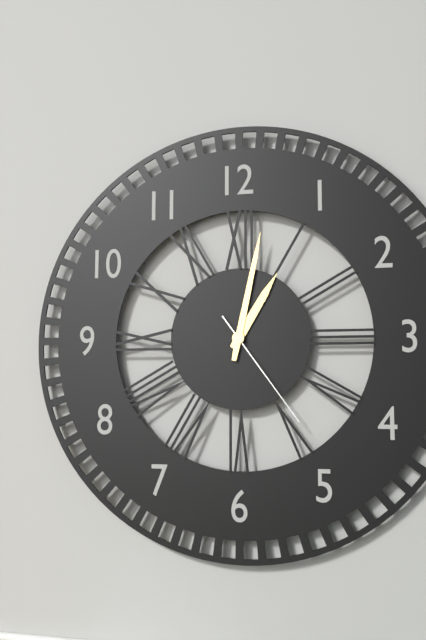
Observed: 1 h 02 min 24 s
